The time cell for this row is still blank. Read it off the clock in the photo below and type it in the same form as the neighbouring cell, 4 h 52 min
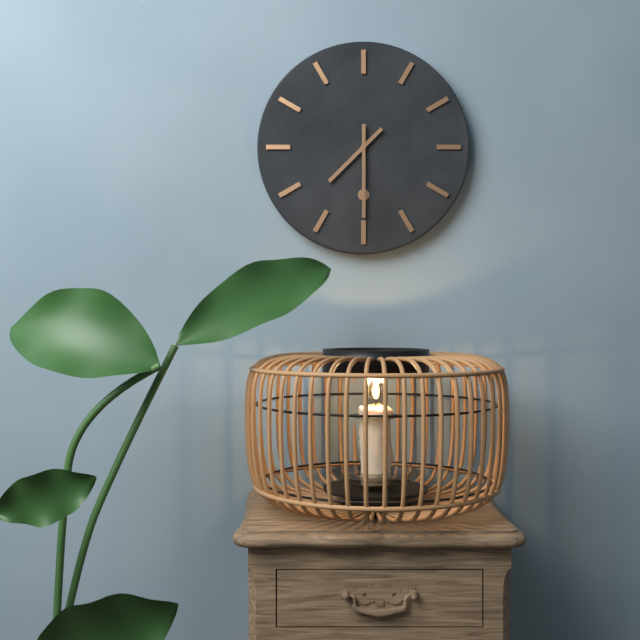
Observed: 7 h 30 min
